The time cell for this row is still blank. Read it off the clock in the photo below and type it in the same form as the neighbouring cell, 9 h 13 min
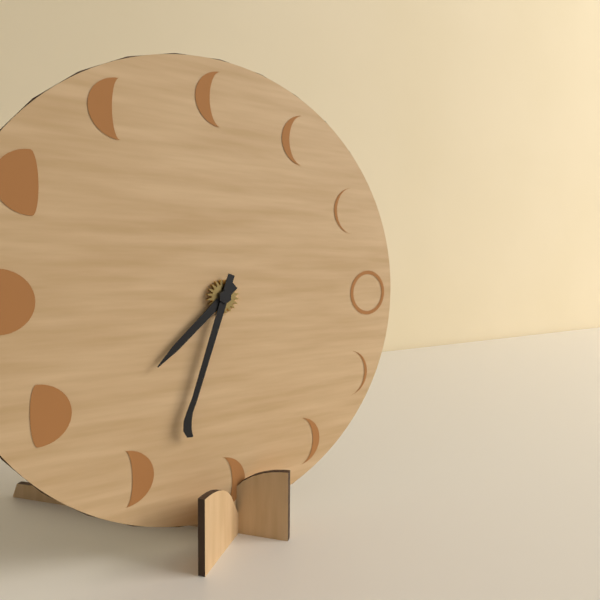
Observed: 7 h 33 min
